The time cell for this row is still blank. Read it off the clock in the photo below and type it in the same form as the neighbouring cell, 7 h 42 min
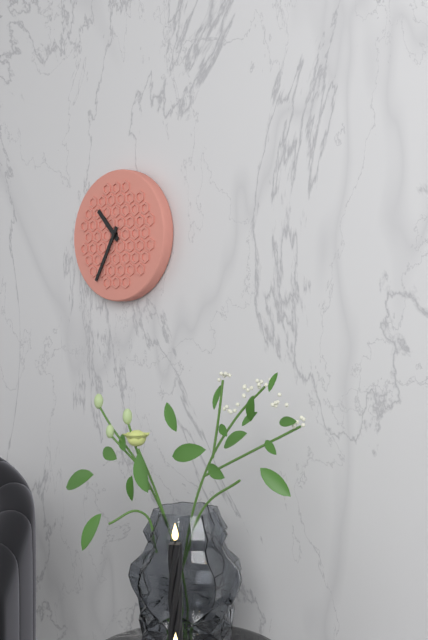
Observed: 10 h 35 min
